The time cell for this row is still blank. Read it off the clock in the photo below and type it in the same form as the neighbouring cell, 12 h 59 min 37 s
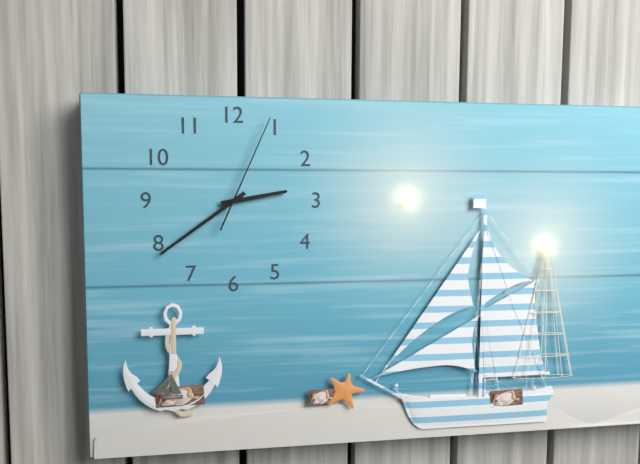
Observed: 2 h 39 min 04 s
